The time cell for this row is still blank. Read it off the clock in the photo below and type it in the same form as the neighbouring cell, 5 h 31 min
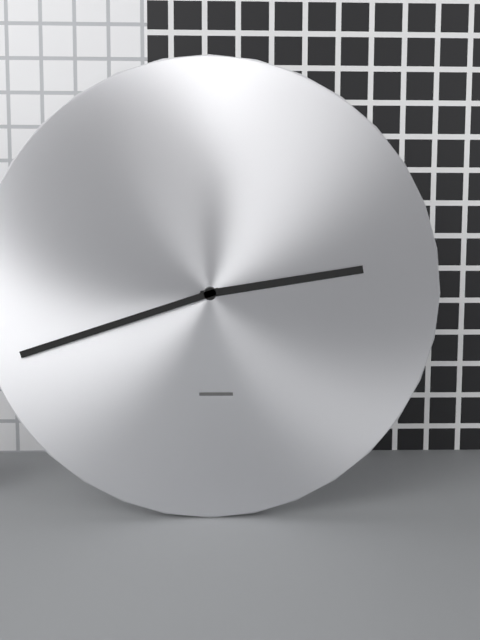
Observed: 2 h 42 min
